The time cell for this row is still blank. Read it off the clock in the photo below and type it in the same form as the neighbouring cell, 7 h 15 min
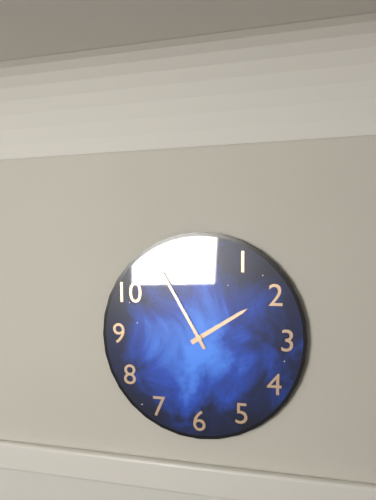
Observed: 1 h 55 min
